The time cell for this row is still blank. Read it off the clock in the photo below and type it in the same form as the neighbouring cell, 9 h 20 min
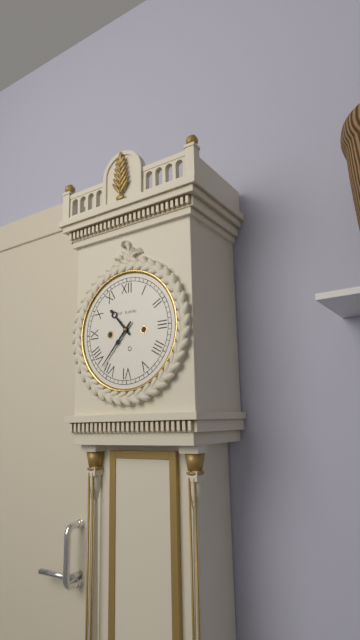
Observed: 10 h 37 min
